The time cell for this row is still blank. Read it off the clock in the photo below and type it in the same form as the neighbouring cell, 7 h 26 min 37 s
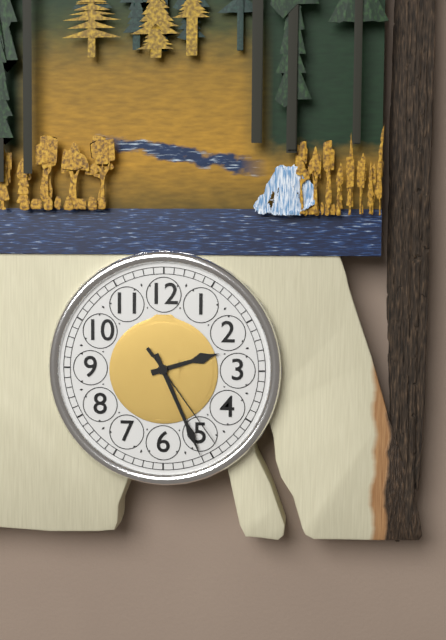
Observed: 2 h 26 min 24 s
